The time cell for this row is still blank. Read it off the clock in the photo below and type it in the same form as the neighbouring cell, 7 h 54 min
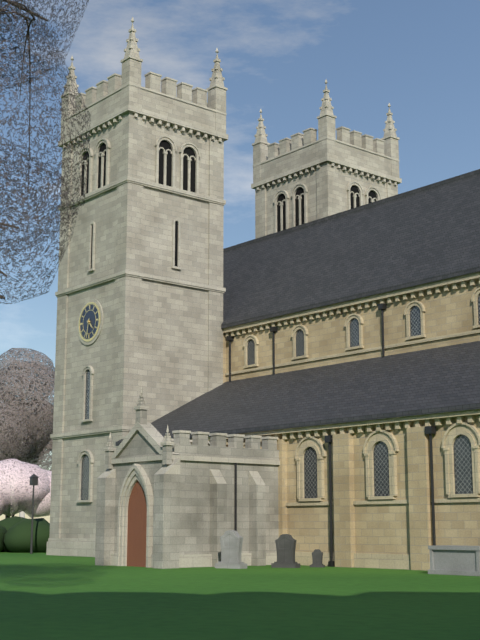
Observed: 4 h 32 min
